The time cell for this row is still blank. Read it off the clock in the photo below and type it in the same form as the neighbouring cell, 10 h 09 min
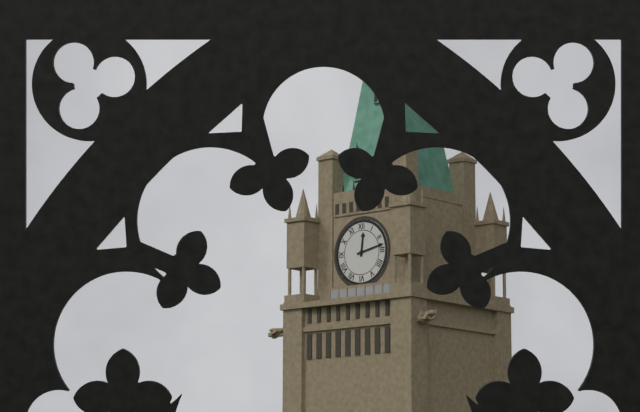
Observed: 12 h 13 min
